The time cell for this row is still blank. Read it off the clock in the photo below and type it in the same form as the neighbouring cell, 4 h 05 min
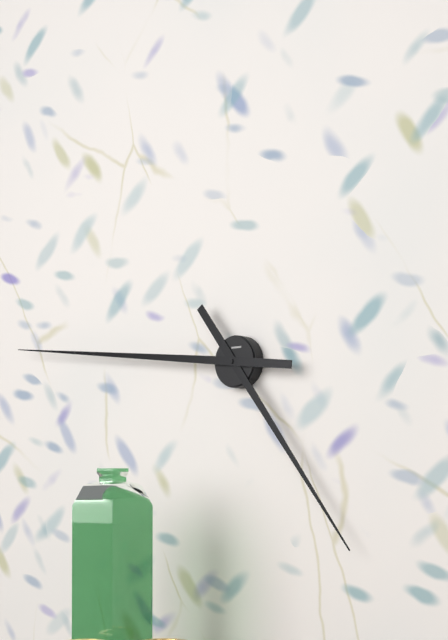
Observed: 4 h 46 min
